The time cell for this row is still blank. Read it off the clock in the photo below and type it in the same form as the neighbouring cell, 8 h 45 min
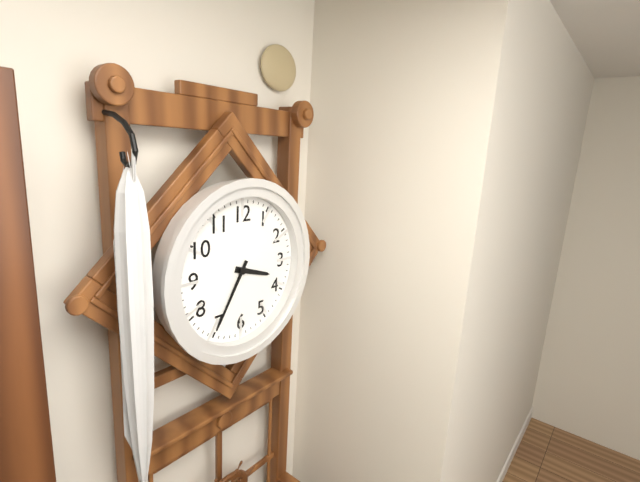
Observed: 3 h 35 min
